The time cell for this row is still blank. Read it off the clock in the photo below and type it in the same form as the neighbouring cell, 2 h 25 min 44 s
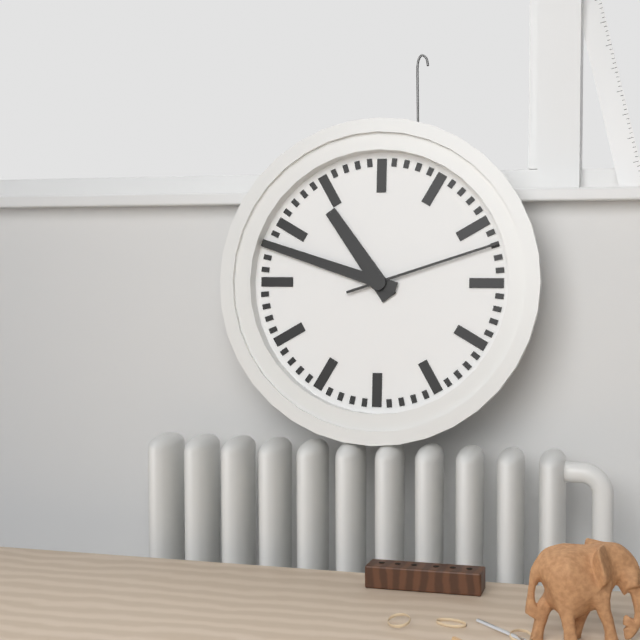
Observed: 10 h 48 min 12 s
